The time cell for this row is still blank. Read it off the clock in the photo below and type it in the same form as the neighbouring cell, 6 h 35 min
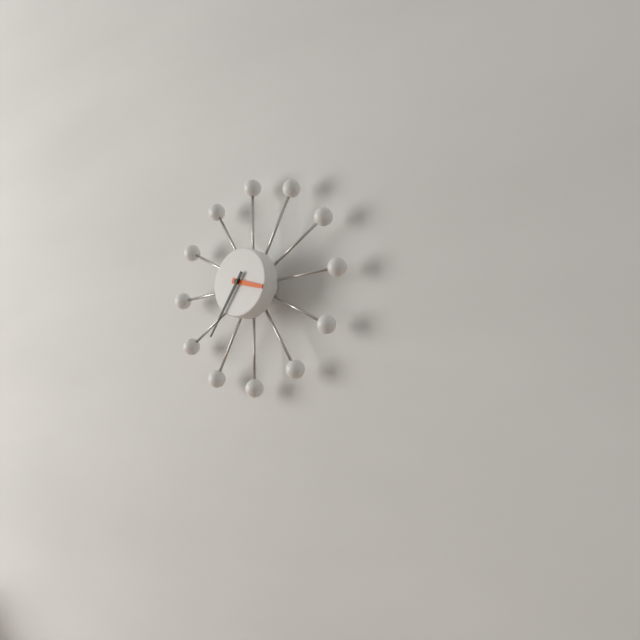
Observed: 3 h 36 min
